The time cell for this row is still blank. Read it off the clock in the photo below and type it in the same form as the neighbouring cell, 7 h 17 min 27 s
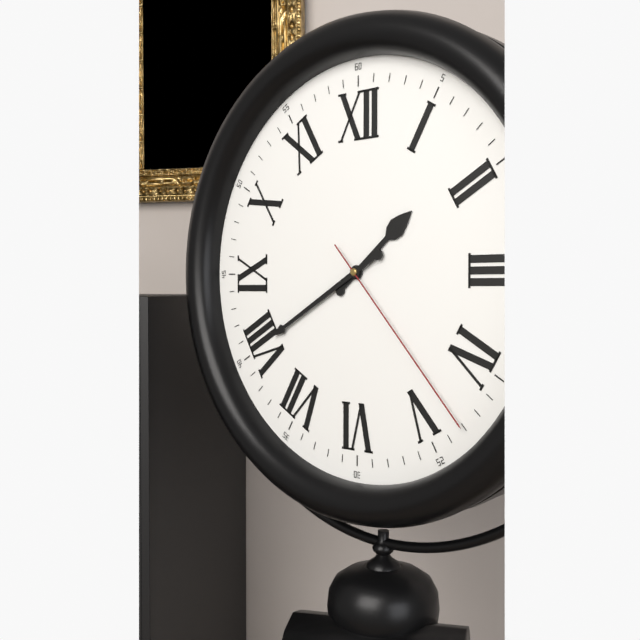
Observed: 1 h 40 min 23 s
